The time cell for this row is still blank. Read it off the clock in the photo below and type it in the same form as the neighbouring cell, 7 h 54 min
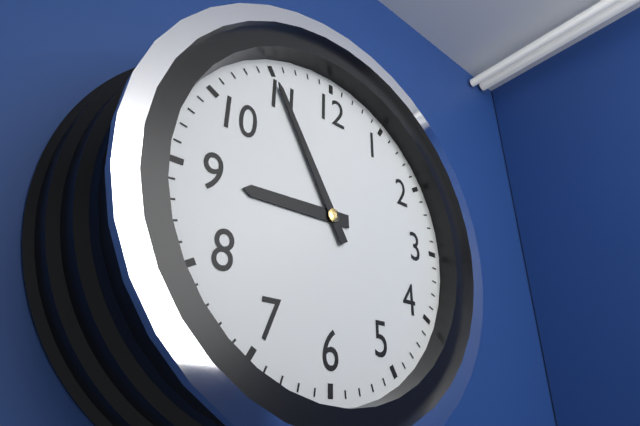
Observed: 8 h 55 min
